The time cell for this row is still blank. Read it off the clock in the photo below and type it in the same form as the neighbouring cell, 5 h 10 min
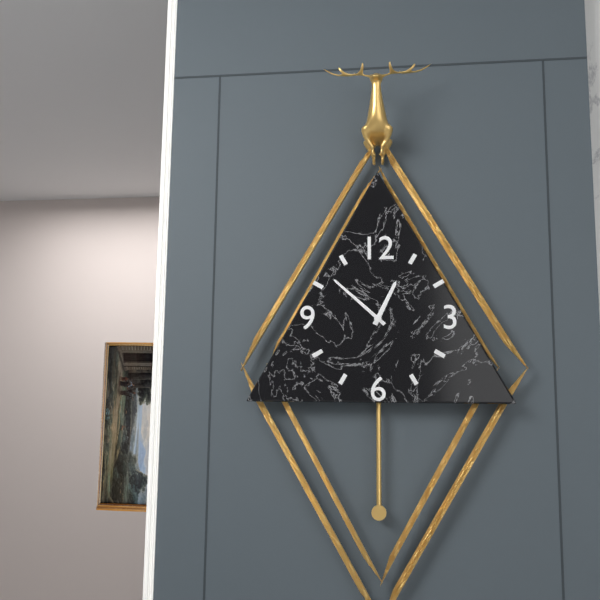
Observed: 12 h 52 min
